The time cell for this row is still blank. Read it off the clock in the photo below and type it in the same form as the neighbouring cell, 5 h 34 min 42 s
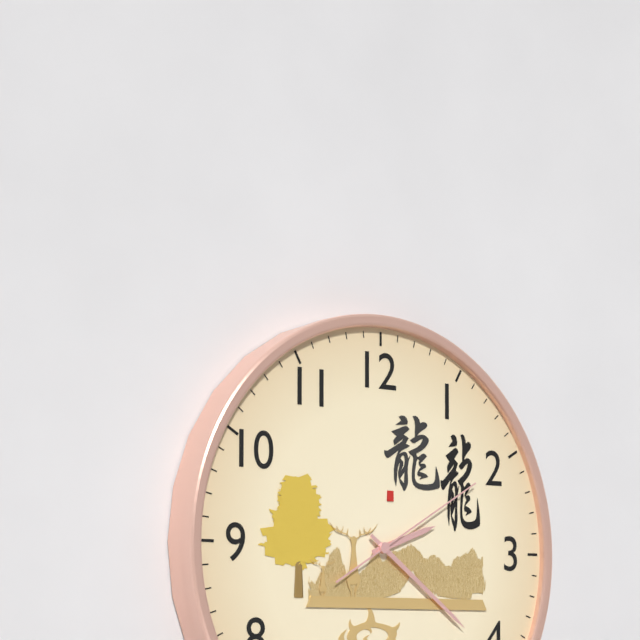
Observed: 2 h 21 min 10 s
